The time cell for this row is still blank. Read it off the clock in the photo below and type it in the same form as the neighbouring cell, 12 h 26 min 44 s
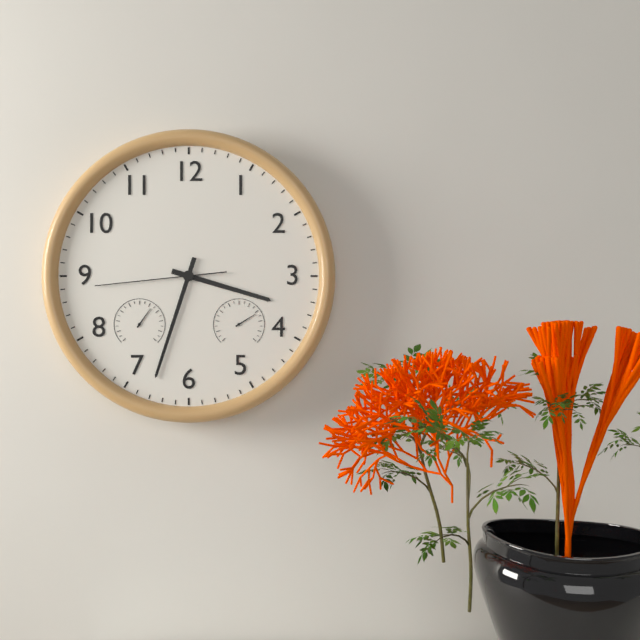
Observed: 3 h 33 min 44 s
